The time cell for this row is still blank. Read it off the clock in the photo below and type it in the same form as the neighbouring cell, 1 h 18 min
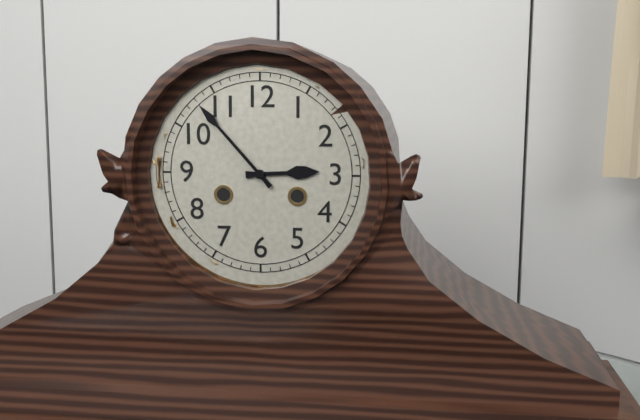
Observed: 2 h 53 min
